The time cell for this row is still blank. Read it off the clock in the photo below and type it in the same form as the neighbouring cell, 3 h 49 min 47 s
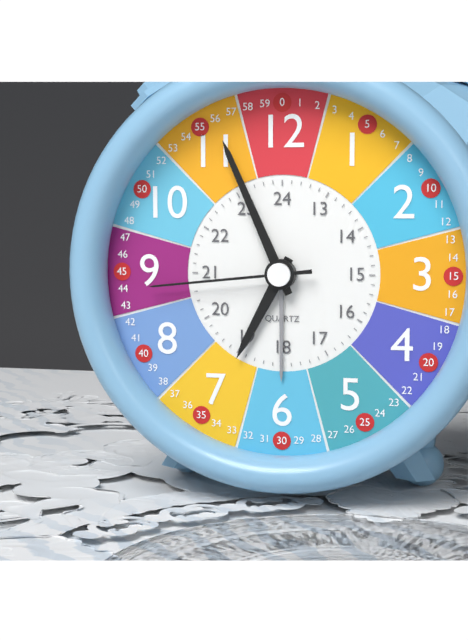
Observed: 6 h 56 min 44 s
